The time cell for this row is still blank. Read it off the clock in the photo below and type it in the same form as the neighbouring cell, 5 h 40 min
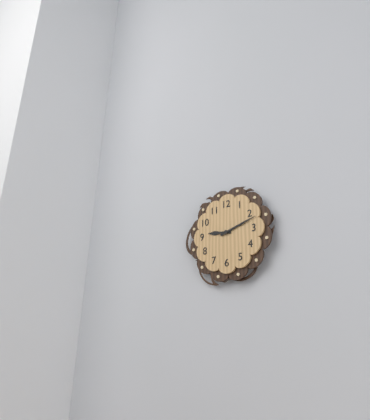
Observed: 9 h 12 min
